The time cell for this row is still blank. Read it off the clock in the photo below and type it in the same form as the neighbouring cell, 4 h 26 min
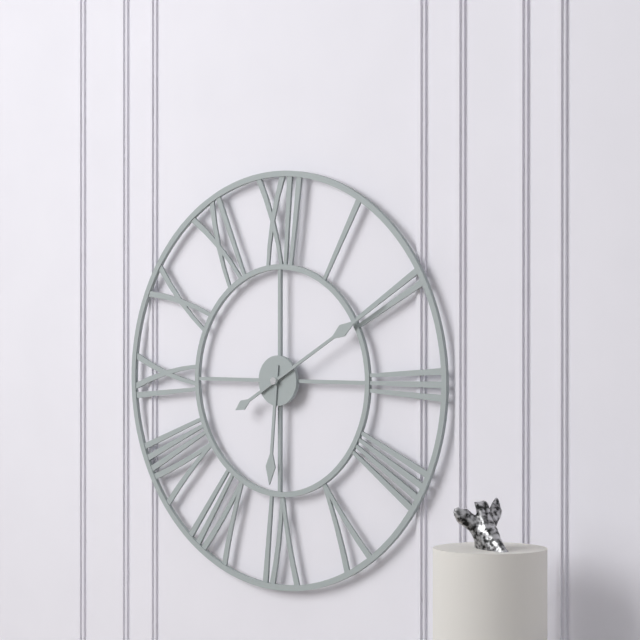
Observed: 6 h 10 min
